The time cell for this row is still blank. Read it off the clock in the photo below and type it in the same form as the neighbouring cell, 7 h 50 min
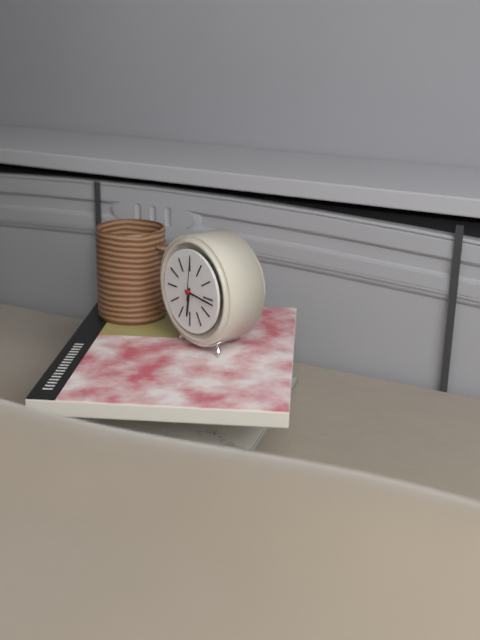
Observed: 6 h 16 min
